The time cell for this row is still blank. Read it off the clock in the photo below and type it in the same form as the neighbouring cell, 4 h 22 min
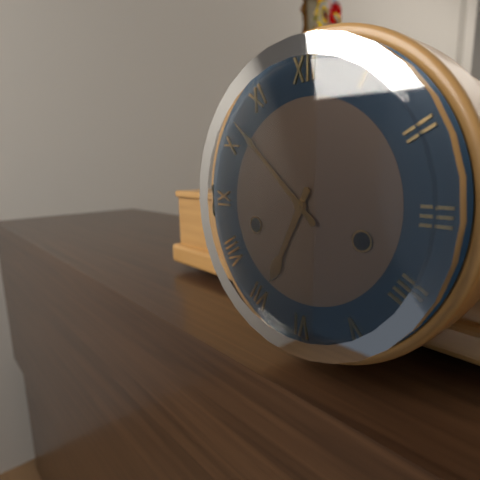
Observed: 6 h 52 min
